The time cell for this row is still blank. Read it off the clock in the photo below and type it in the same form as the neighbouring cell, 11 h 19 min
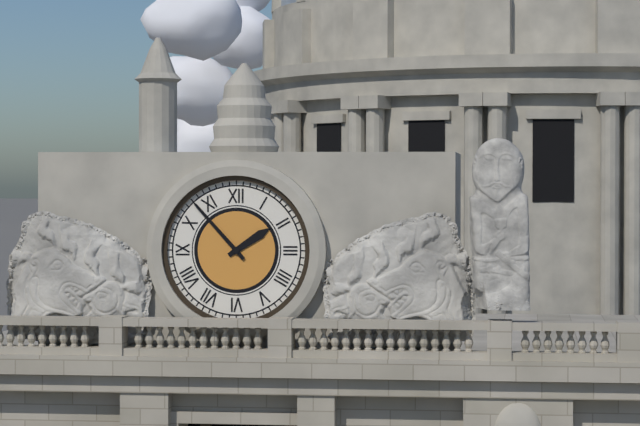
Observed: 1 h 53 min
